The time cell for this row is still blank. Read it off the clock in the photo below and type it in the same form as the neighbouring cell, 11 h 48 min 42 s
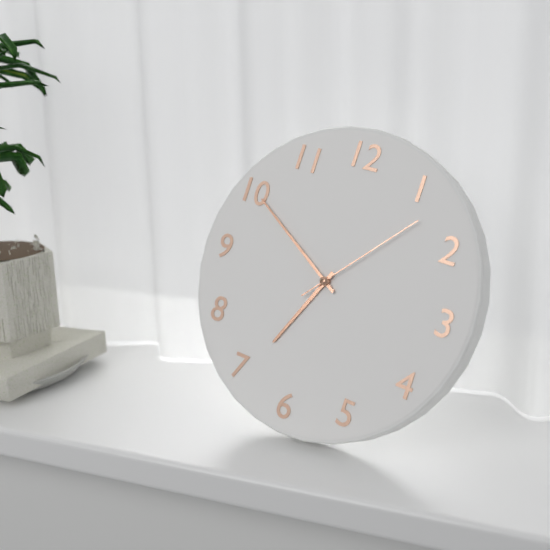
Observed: 6 h 50 min 07 s
